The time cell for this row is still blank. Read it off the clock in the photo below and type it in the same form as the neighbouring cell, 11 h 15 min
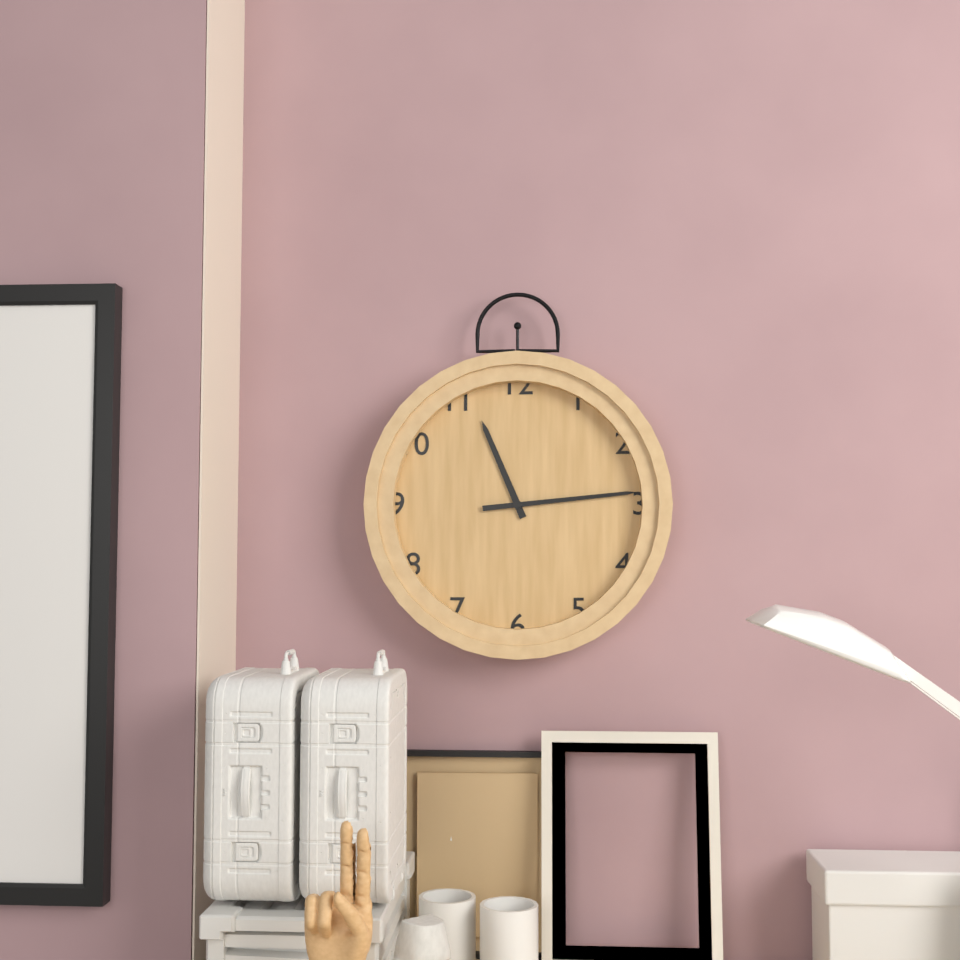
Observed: 11 h 14 min
